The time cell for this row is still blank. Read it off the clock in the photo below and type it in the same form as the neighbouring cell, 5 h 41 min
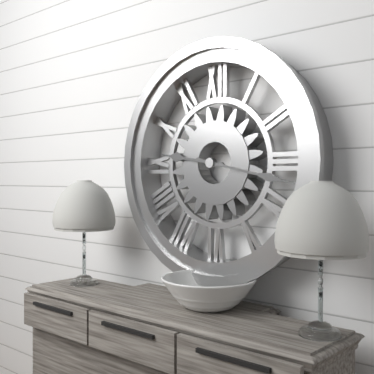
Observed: 9 h 17 min
